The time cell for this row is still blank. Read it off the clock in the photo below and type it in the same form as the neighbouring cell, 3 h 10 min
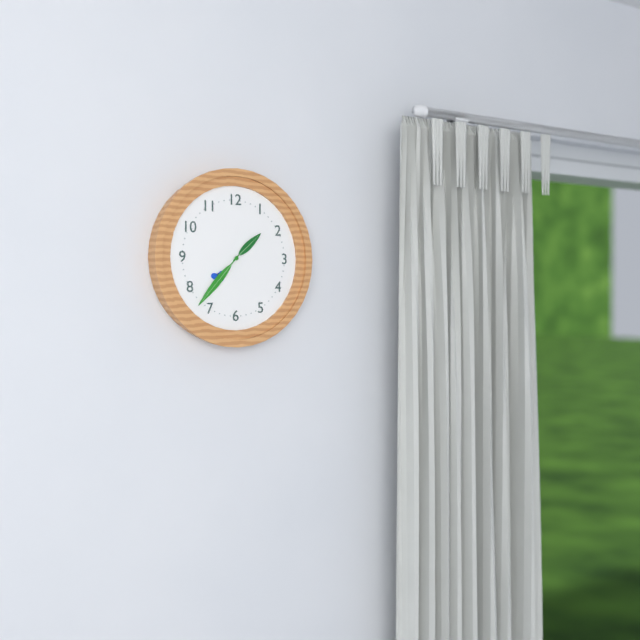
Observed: 1 h 37 min
